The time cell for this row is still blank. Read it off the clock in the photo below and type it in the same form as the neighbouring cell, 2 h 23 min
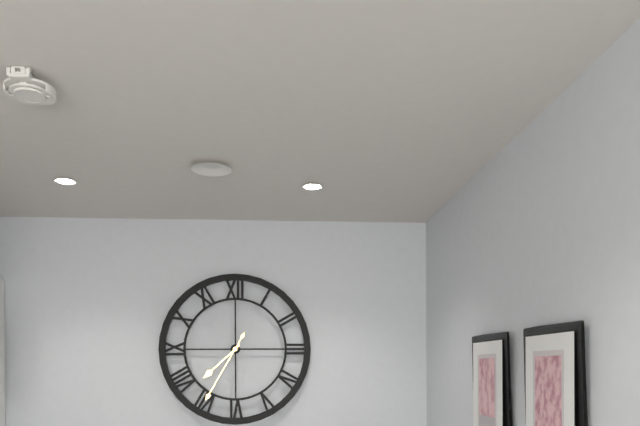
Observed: 7 h 35 min
